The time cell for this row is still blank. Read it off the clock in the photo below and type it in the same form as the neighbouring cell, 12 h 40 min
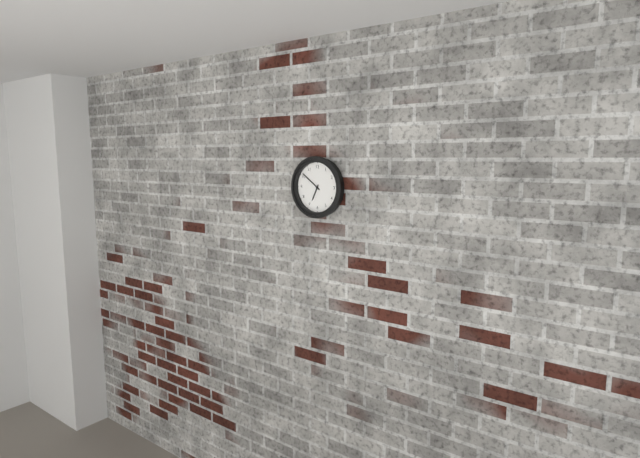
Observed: 6 h 51 min
